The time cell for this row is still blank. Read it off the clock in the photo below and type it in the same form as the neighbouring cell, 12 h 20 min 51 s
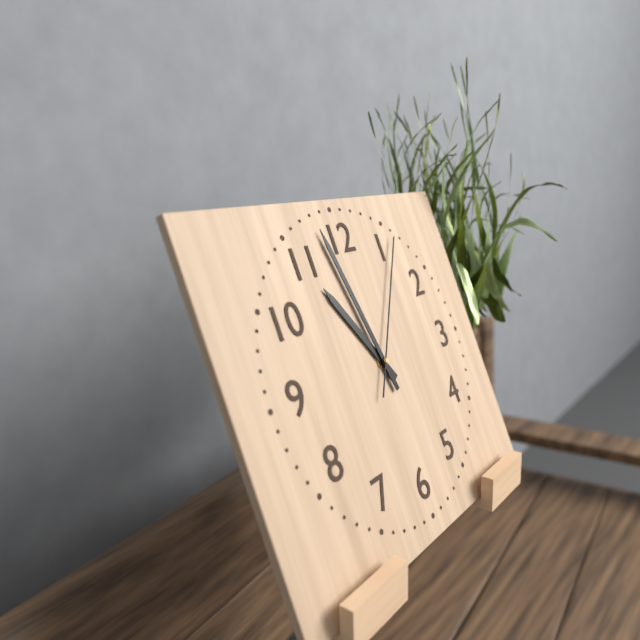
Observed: 10 h 58 min 06 s
